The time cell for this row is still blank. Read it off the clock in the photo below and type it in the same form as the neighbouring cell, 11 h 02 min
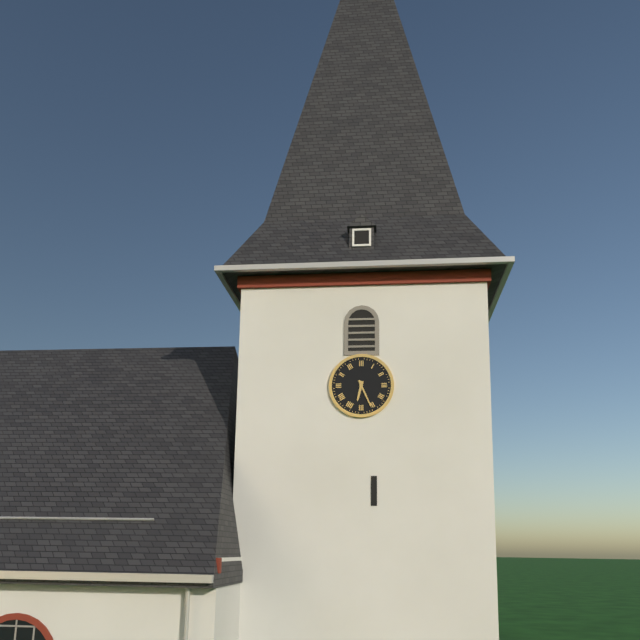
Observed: 6 h 26 min
